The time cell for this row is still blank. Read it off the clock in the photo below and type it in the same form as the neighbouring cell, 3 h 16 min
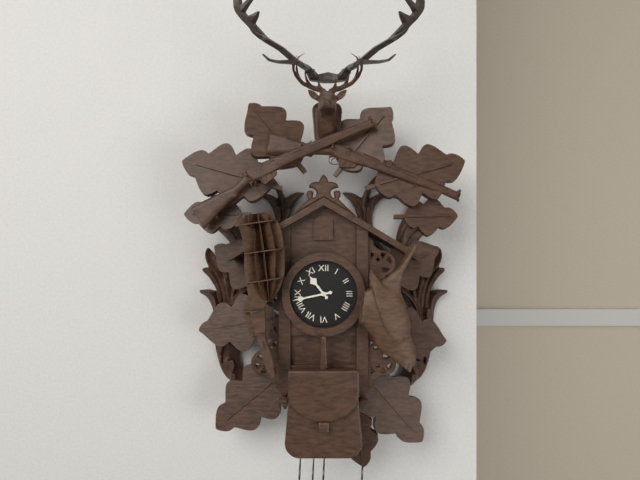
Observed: 10 h 43 min
